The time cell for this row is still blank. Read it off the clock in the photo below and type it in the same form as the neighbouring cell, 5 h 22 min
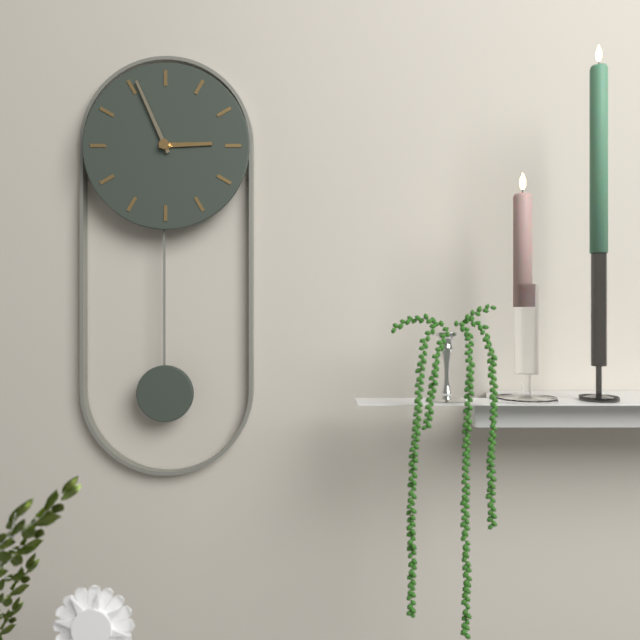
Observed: 2 h 56 min
